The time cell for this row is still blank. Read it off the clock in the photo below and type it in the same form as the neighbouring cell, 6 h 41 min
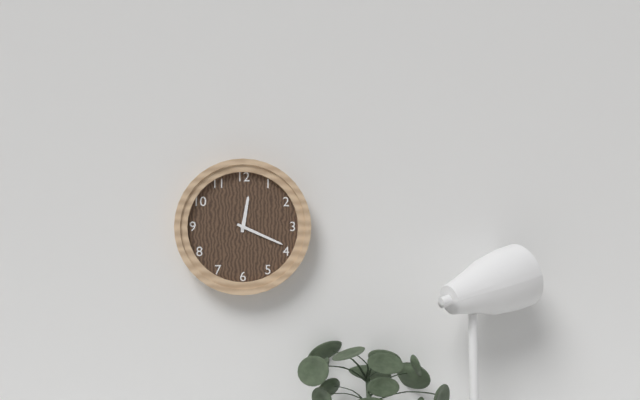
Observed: 12 h 19 min
